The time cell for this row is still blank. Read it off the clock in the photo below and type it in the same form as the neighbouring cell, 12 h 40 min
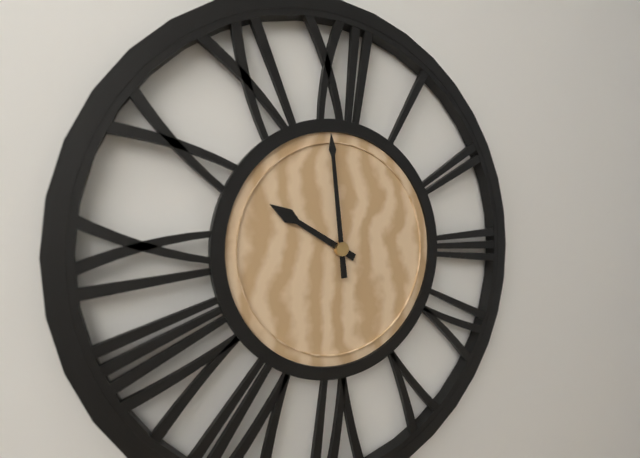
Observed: 9 h 59 min
